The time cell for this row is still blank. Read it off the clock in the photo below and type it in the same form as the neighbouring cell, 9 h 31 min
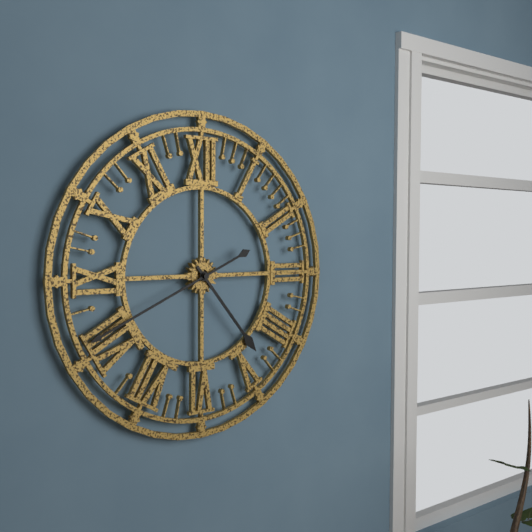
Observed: 4 h 41 min
